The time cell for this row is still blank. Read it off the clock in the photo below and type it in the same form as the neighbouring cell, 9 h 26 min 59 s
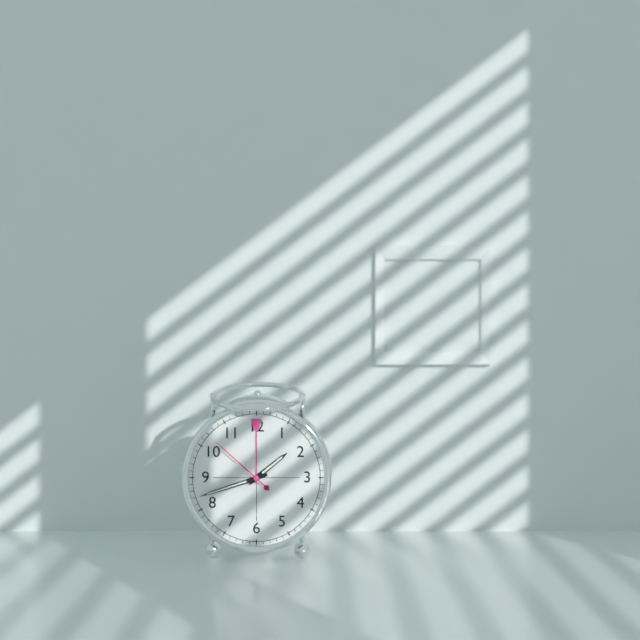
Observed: 1 h 42 min 52 s
